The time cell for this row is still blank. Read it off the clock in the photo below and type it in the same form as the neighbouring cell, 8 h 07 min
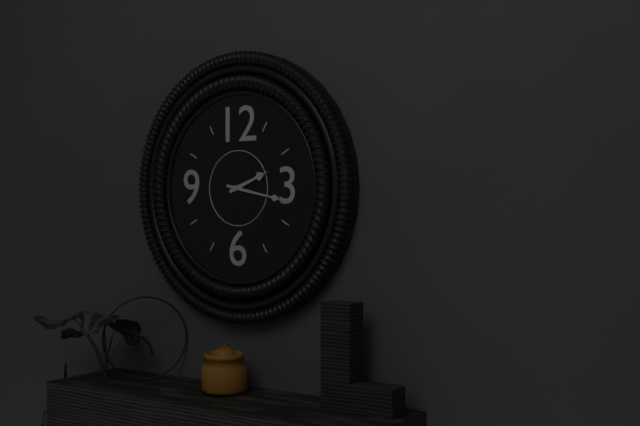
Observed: 2 h 17 min
